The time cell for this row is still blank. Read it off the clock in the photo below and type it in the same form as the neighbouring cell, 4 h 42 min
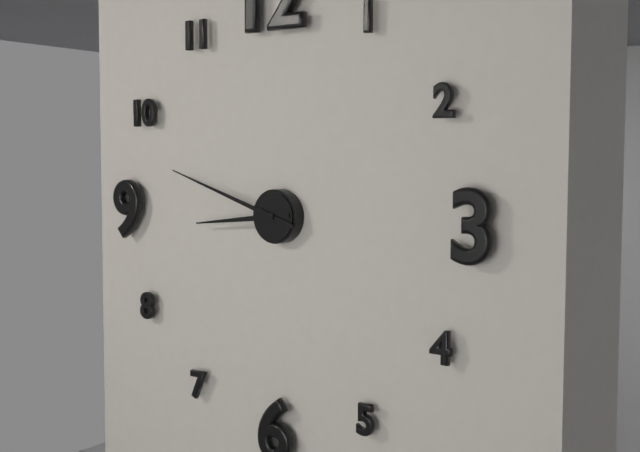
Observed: 8 h 48 min
